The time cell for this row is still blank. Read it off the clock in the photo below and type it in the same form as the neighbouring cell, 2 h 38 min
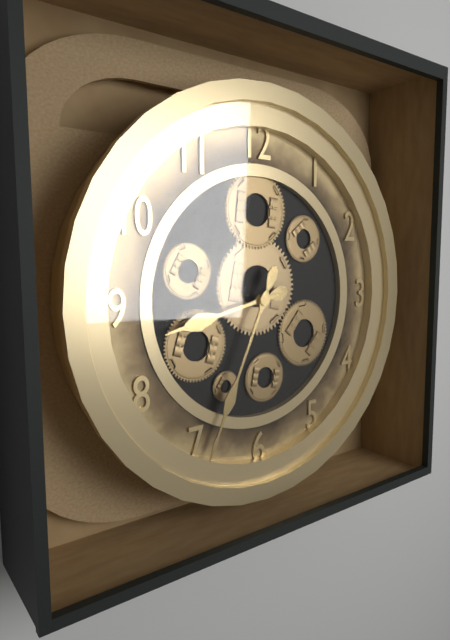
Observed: 8 h 34 min
